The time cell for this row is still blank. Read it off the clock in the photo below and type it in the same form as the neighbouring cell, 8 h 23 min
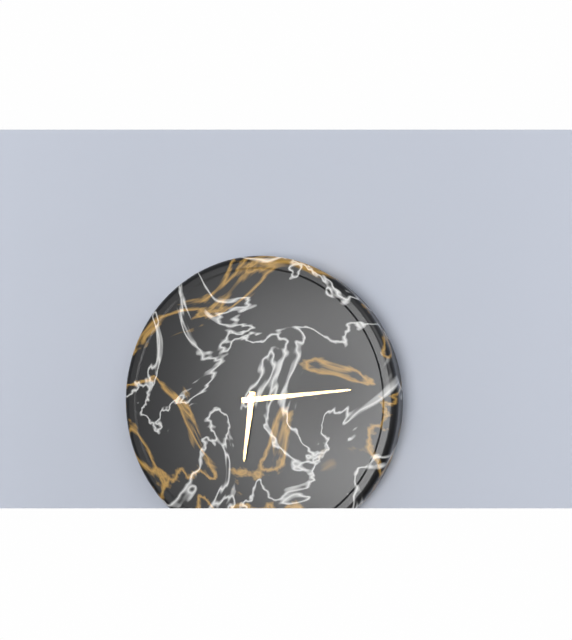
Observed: 6 h 14 min
